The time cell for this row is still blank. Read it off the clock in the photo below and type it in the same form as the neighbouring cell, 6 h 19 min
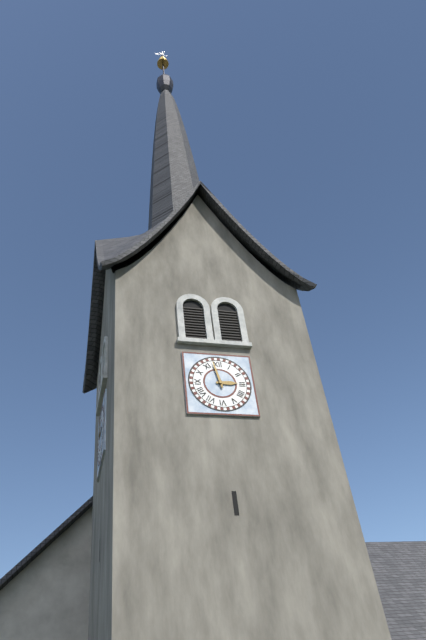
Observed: 2 h 58 min
